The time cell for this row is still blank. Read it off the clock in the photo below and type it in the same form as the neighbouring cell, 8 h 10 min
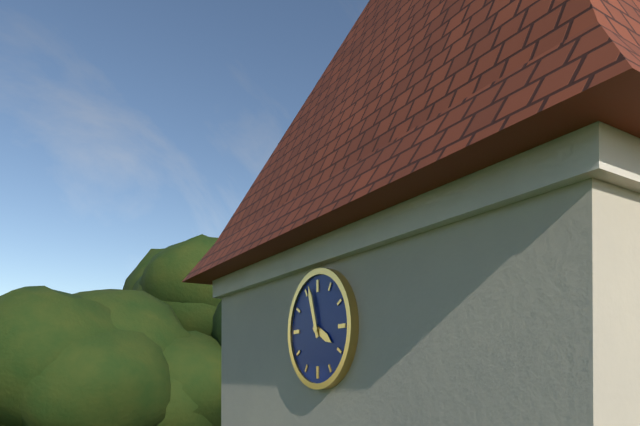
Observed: 3 h 57 min
